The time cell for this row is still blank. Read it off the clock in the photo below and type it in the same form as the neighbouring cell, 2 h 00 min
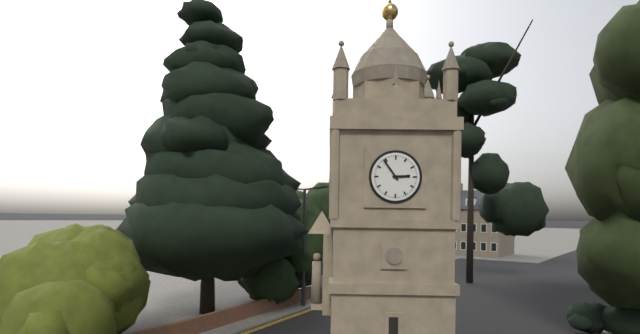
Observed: 2 h 54 min
